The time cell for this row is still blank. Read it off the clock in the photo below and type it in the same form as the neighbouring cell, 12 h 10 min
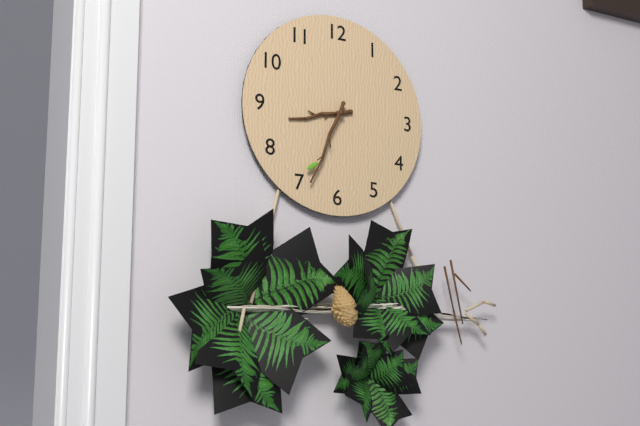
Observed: 8 h 34 min
